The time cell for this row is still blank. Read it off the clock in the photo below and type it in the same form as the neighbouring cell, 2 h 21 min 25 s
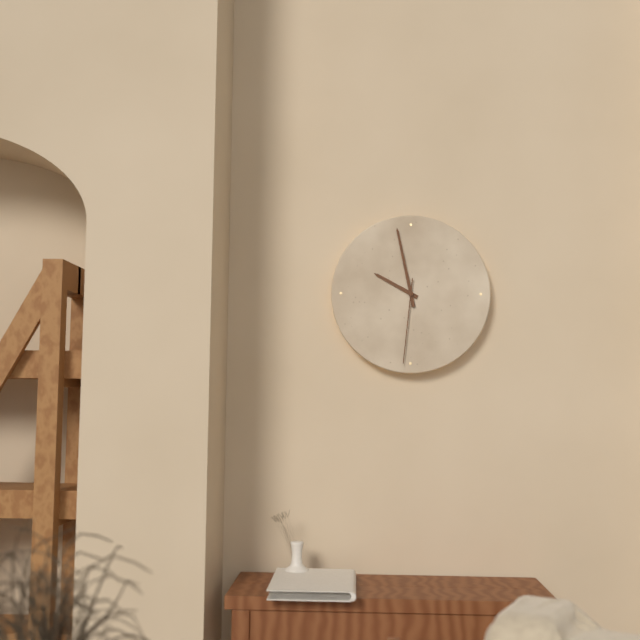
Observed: 9 h 58 min 31 s
